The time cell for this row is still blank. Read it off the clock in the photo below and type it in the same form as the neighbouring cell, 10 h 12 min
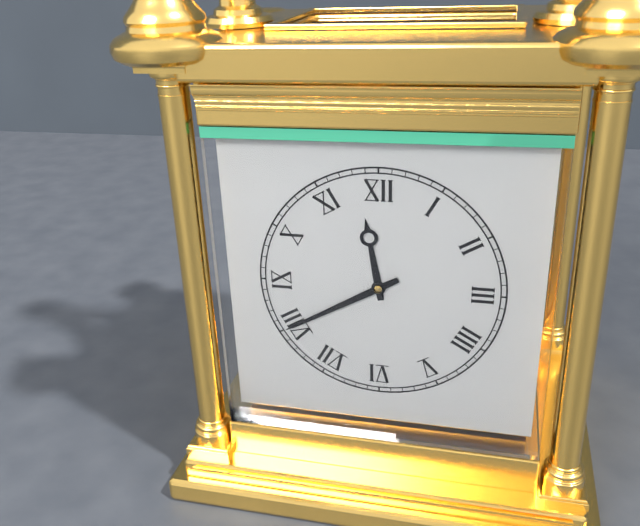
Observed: 11 h 40 min
